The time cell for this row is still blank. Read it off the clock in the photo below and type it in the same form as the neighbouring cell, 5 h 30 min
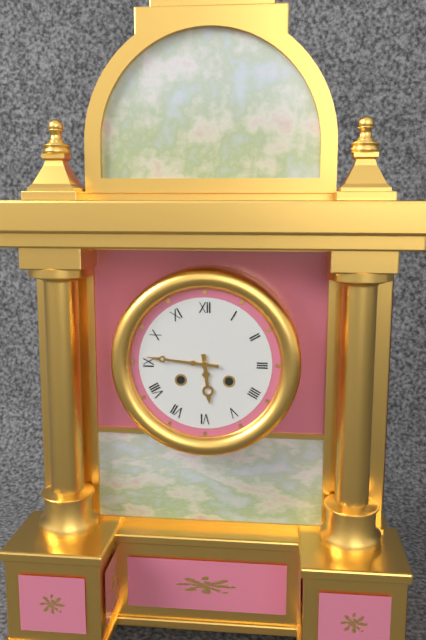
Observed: 5 h 46 min
